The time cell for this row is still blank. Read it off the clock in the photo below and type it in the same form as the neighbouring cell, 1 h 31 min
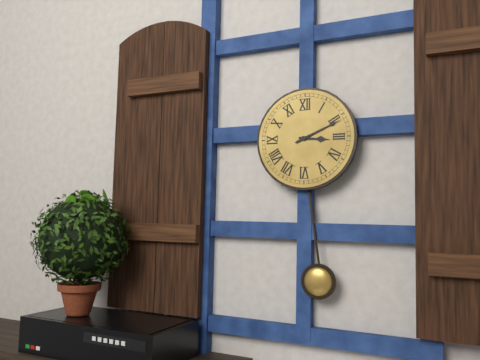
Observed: 3 h 11 min
